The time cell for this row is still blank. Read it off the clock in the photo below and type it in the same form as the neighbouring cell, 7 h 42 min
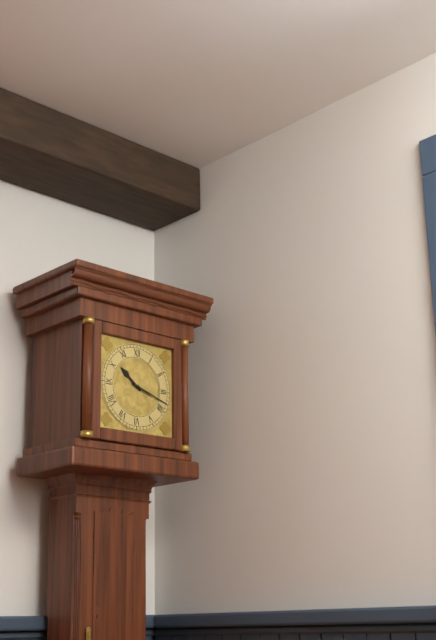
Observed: 10 h 18 min
